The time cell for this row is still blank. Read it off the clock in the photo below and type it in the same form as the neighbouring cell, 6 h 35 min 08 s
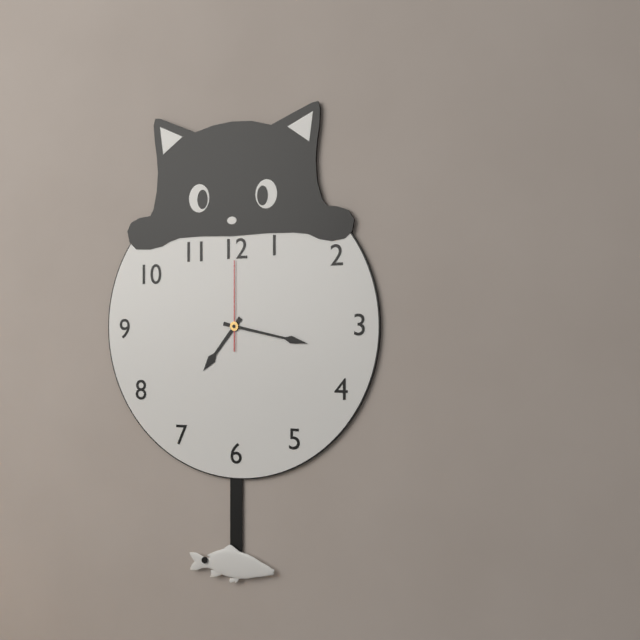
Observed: 7 h 17 min 00 s
